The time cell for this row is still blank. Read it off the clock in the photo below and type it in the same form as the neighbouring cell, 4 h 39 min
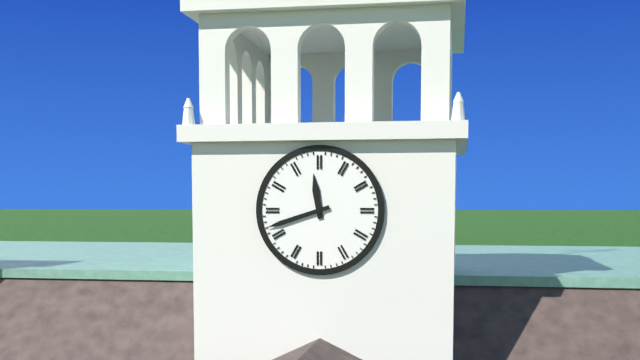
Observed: 11 h 42 min
